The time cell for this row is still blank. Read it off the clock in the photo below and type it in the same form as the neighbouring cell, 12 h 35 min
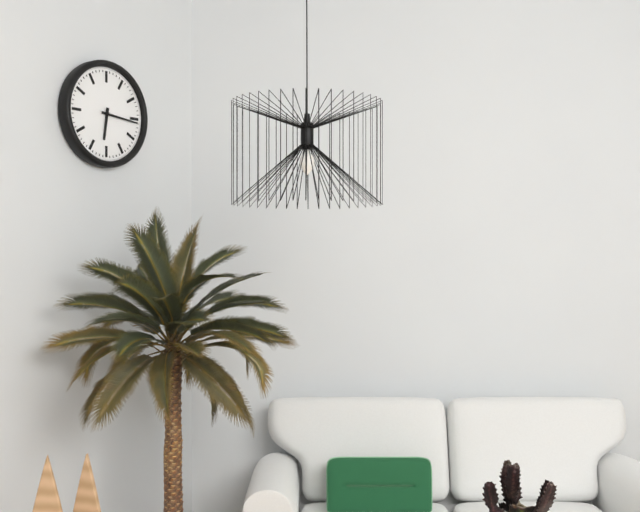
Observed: 6 h 16 min
